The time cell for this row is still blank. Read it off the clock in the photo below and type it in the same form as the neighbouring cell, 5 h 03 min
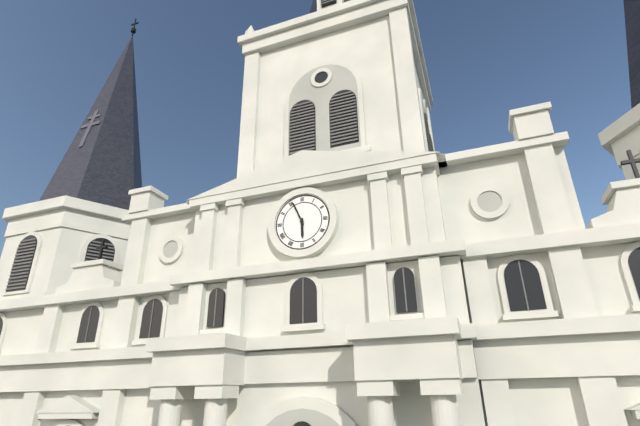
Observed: 5 h 56 min
